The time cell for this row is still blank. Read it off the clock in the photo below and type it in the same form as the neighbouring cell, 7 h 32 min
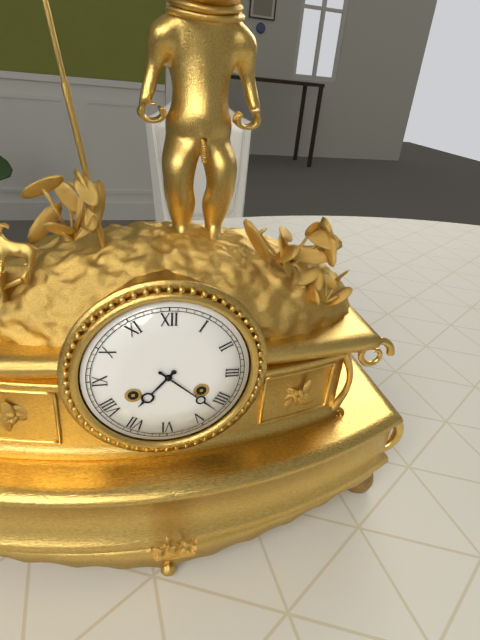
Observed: 7 h 22 min
